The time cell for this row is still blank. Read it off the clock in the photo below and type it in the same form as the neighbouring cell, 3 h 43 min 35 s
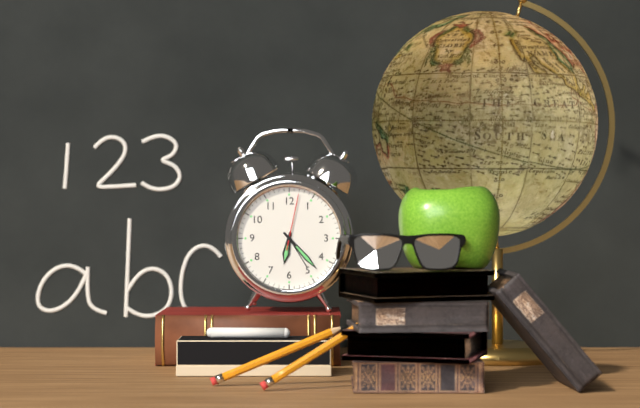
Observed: 6 h 23 min 02 s
